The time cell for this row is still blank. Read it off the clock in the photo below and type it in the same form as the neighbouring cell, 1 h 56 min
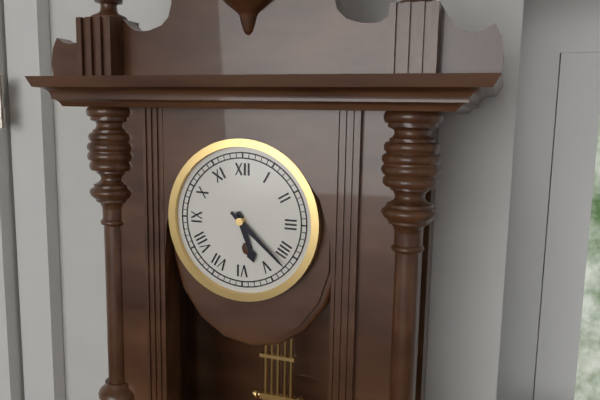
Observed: 5 h 22 min
